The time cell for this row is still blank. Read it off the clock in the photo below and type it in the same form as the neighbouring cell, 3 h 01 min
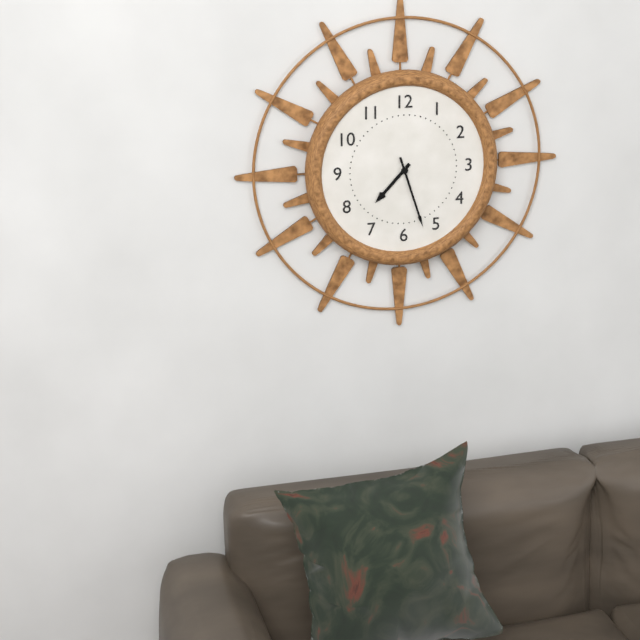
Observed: 7 h 27 min
